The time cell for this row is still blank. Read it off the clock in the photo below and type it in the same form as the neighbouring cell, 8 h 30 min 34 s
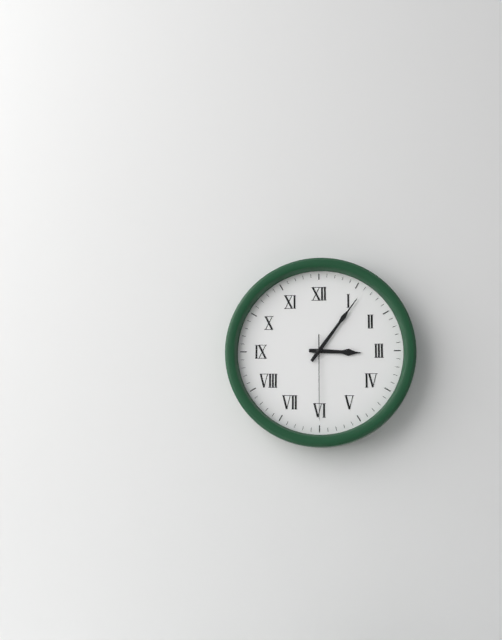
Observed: 3 h 06 min 30 s
